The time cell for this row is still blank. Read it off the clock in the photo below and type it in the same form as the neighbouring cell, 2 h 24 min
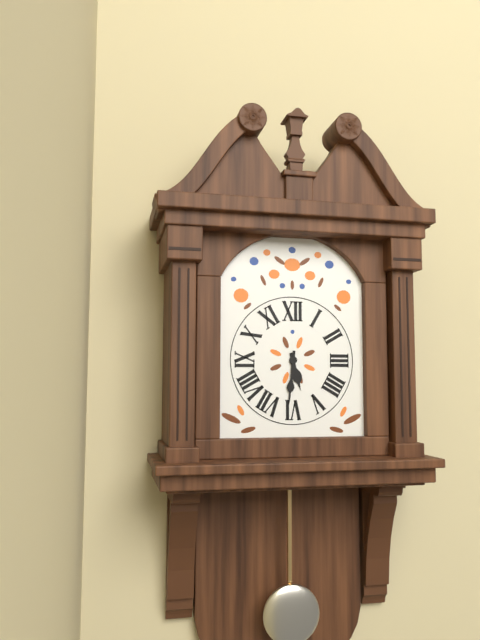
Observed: 5 h 31 min
